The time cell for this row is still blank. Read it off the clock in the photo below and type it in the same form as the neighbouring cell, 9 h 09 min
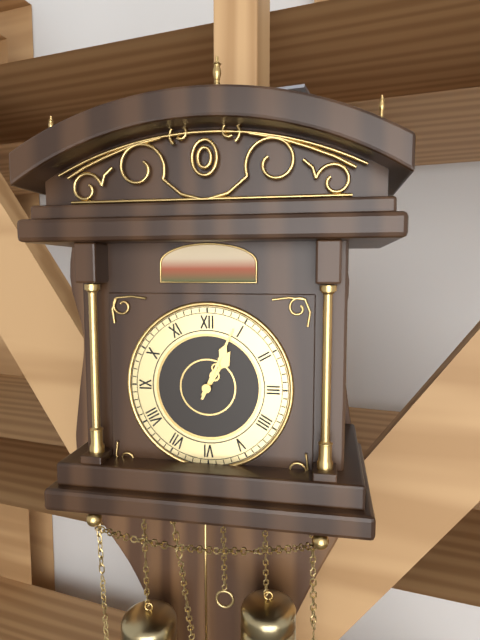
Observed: 1 h 04 min
